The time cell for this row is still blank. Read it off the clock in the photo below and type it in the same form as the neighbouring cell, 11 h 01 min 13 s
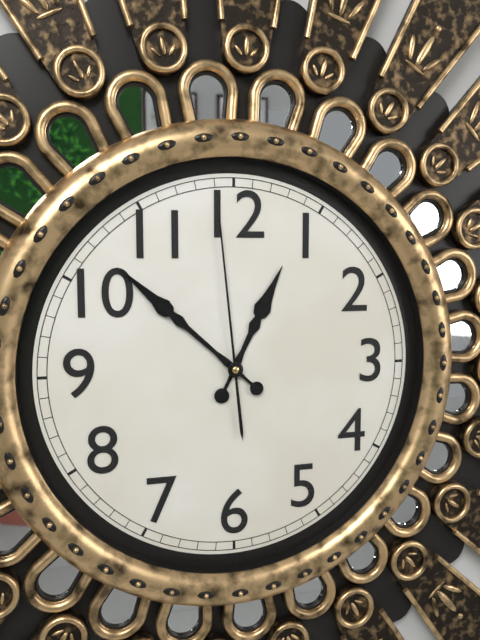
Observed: 12 h 52 min 59 s
